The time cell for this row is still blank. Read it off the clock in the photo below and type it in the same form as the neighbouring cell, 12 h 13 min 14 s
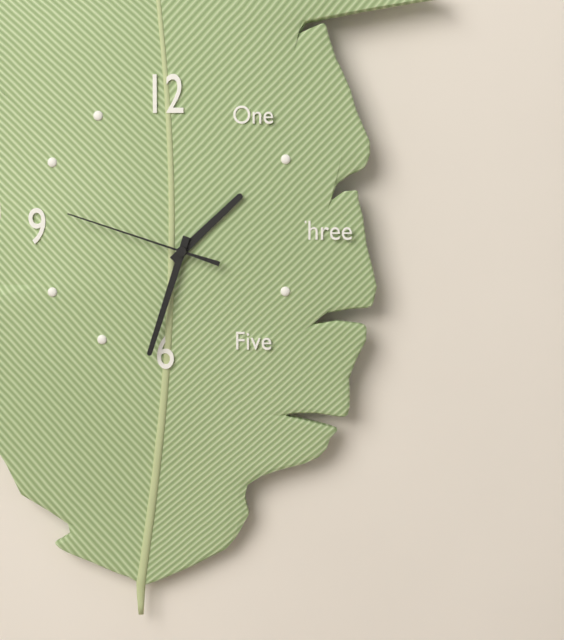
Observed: 1 h 33 min 48 s
